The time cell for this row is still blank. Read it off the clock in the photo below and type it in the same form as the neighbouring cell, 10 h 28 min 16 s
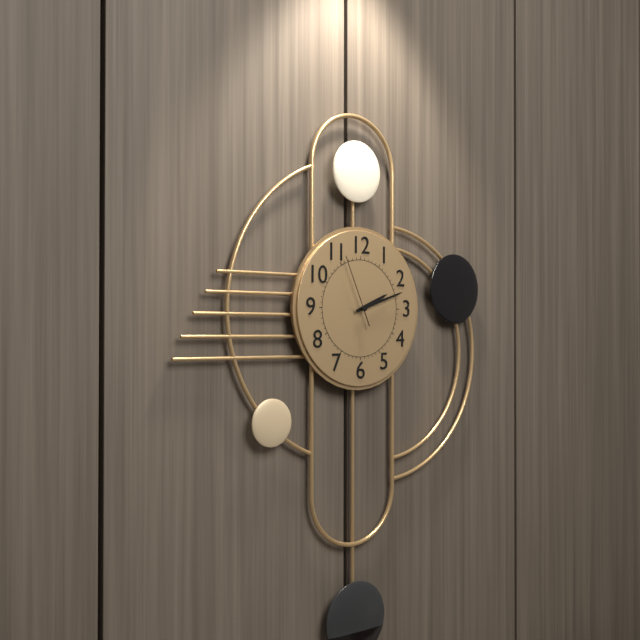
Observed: 2 h 12 min 56 s
